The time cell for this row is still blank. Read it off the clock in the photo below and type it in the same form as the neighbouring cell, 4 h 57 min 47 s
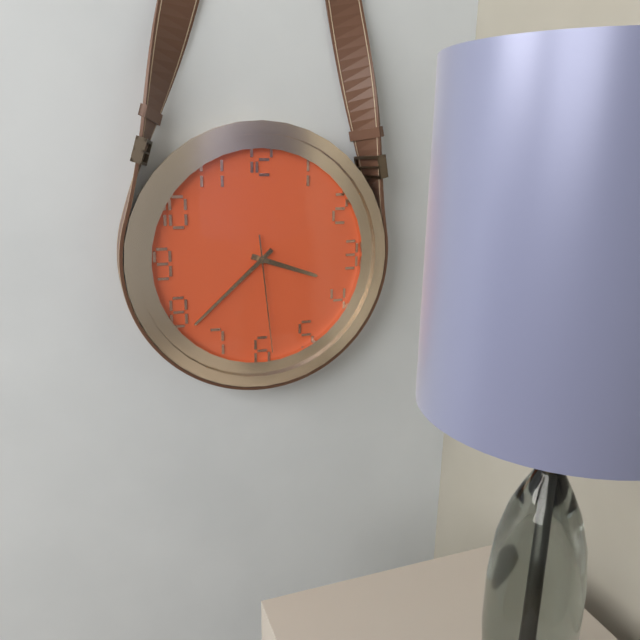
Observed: 3 h 38 min 29 s
